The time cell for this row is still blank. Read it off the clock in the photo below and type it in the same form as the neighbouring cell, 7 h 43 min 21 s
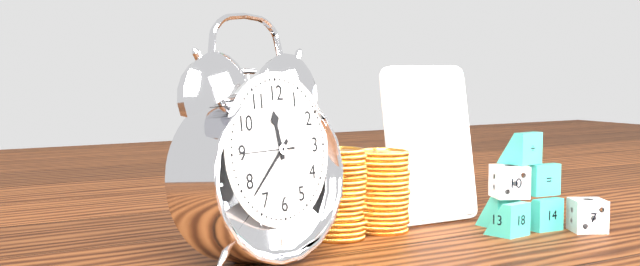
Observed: 11 h 38 min 45 s
